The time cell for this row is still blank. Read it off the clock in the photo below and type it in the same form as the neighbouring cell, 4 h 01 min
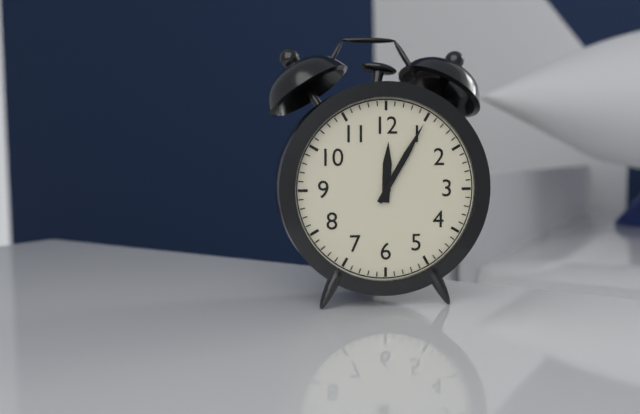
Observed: 12 h 05 min
